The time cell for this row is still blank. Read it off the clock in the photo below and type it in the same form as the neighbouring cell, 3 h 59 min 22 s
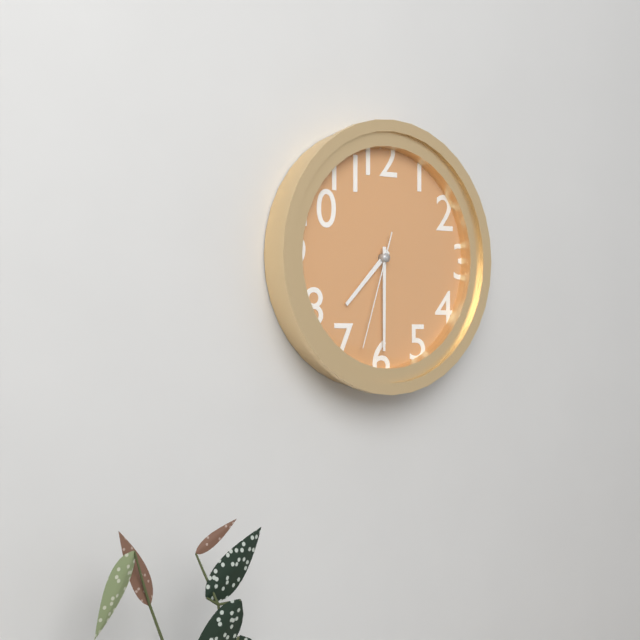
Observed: 7 h 30 min 33 s
